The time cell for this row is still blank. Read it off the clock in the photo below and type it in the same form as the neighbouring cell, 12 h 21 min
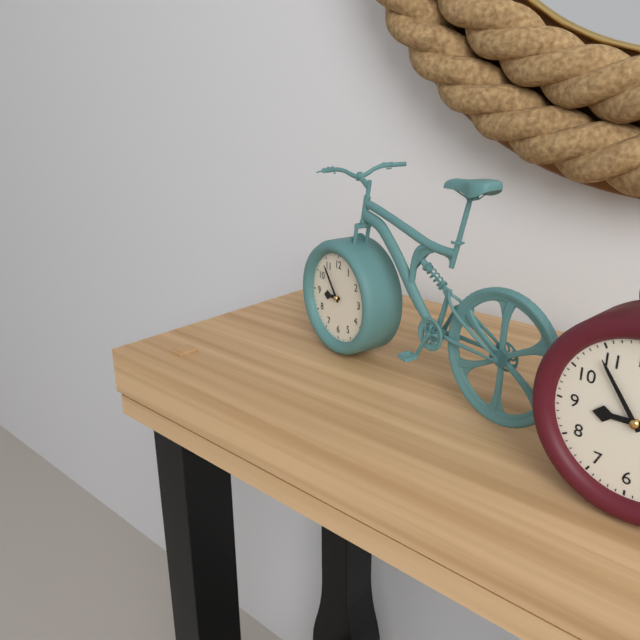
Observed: 8 h 54 min
